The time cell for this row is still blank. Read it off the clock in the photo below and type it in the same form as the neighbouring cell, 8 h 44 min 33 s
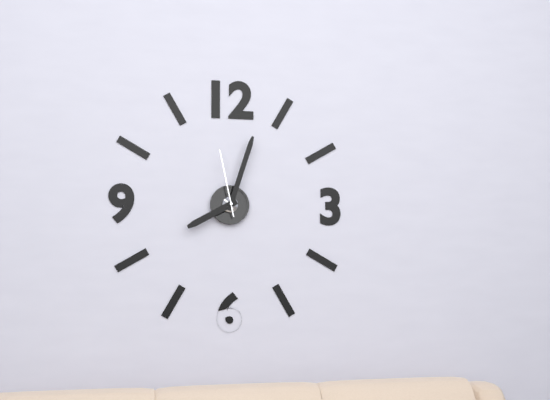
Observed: 8 h 03 min 58 s
